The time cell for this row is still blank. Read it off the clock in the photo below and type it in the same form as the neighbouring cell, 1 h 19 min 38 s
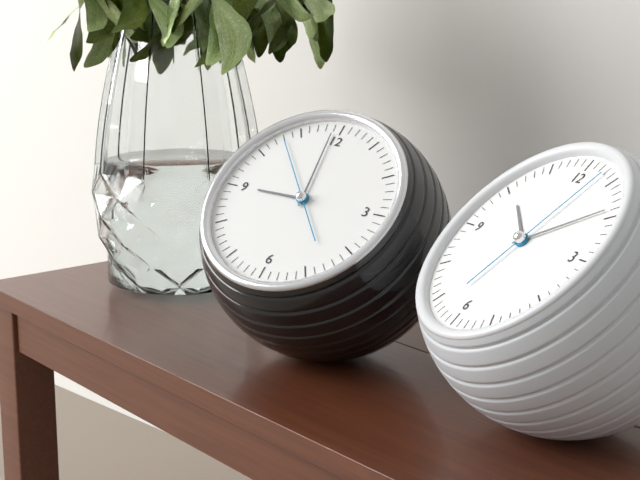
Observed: 8 h 59 min 53 s
